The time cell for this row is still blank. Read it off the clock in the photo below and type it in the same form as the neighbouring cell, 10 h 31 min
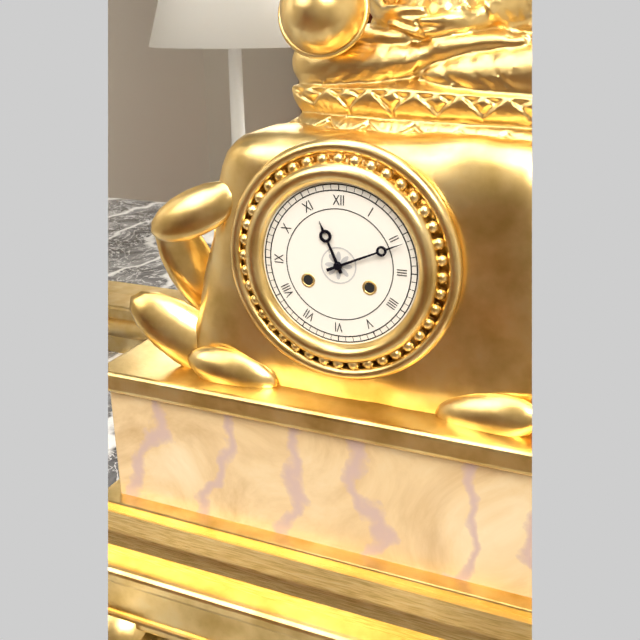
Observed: 11 h 11 min
